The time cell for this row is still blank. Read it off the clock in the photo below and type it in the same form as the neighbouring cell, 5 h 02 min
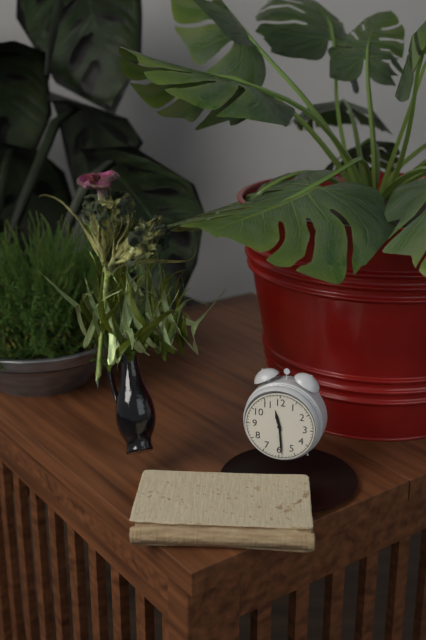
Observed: 11 h 29 min
